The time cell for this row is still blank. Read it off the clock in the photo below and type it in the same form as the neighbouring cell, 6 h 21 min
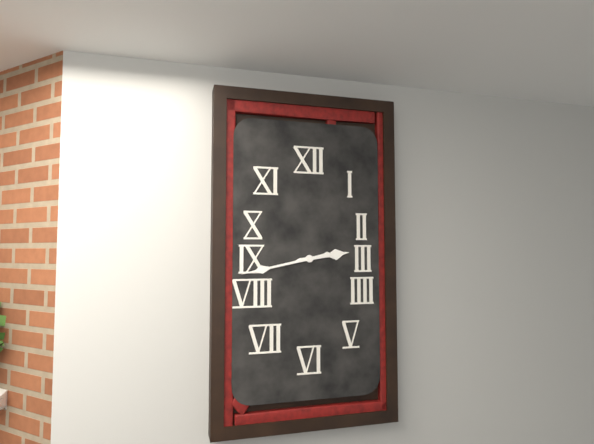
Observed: 2 h 43 min
